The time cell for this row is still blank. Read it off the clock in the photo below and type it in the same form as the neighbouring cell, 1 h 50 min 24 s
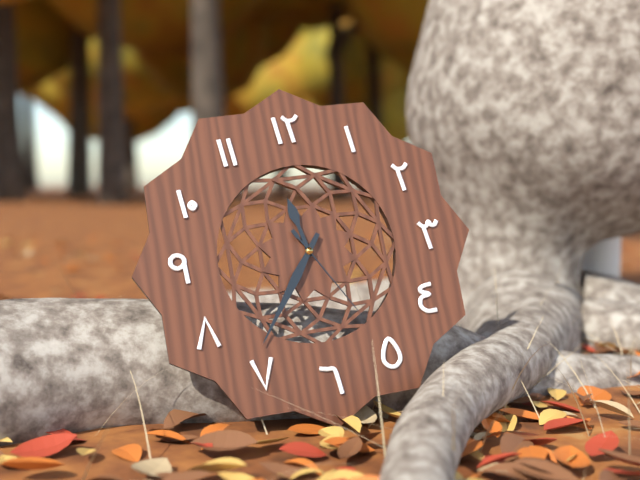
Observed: 11 h 36 min 25 s
